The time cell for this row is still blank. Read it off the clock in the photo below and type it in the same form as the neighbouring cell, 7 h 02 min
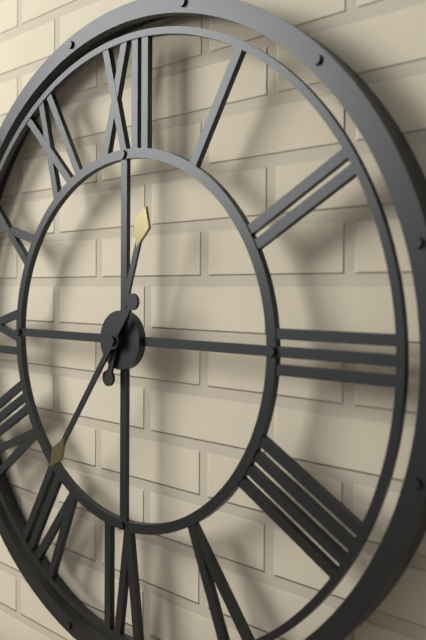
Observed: 12 h 36 min
